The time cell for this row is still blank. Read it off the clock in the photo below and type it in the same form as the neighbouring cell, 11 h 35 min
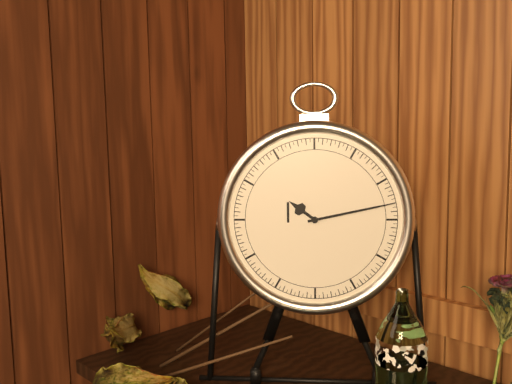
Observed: 10 h 13 min
